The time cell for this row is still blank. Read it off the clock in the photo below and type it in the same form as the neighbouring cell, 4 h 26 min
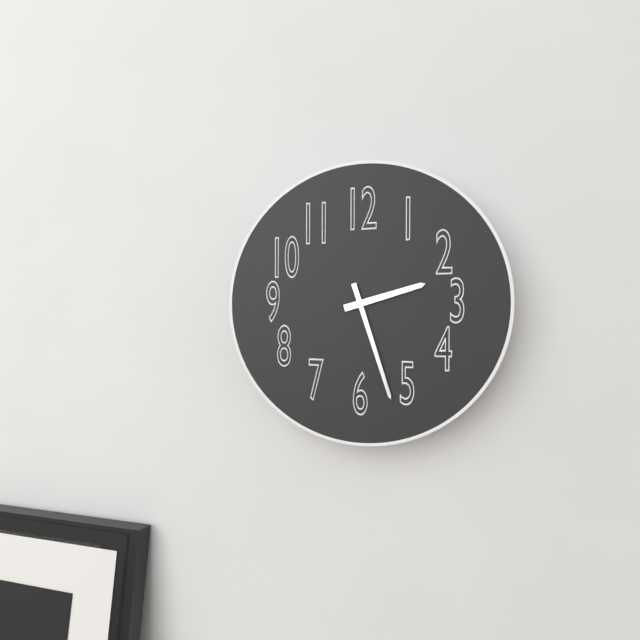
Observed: 2 h 27 min
